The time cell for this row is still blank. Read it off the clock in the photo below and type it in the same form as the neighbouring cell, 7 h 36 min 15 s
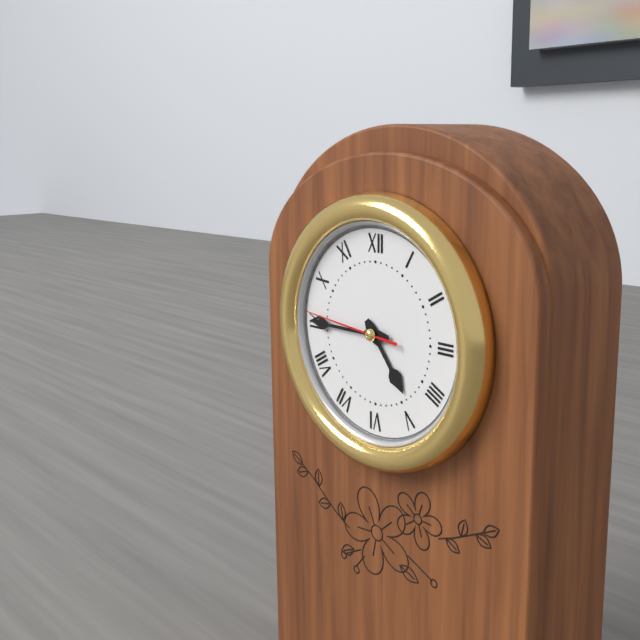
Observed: 4 h 45 min 46 s
